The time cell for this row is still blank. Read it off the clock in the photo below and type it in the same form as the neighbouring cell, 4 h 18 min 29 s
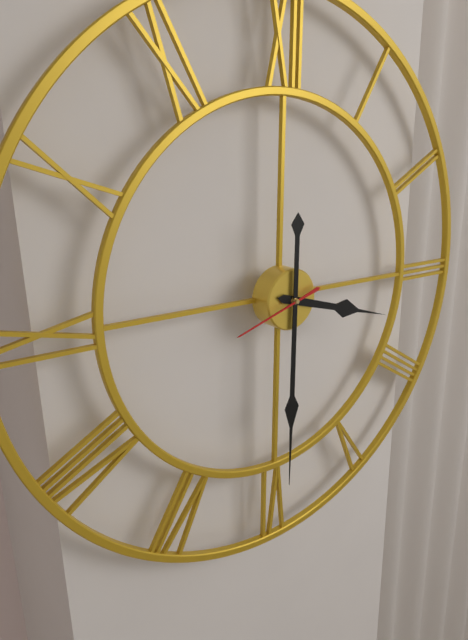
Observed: 3 h 30 min 42 s
